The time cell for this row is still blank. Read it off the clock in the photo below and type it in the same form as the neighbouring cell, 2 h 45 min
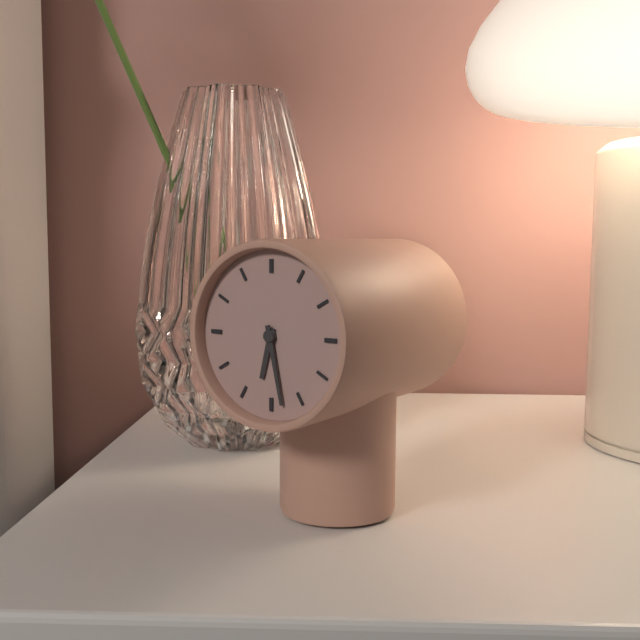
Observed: 6 h 28 min
